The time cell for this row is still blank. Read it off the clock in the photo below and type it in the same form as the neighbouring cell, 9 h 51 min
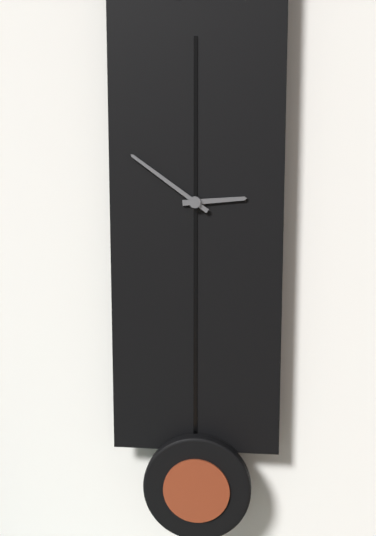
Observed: 2 h 51 min
